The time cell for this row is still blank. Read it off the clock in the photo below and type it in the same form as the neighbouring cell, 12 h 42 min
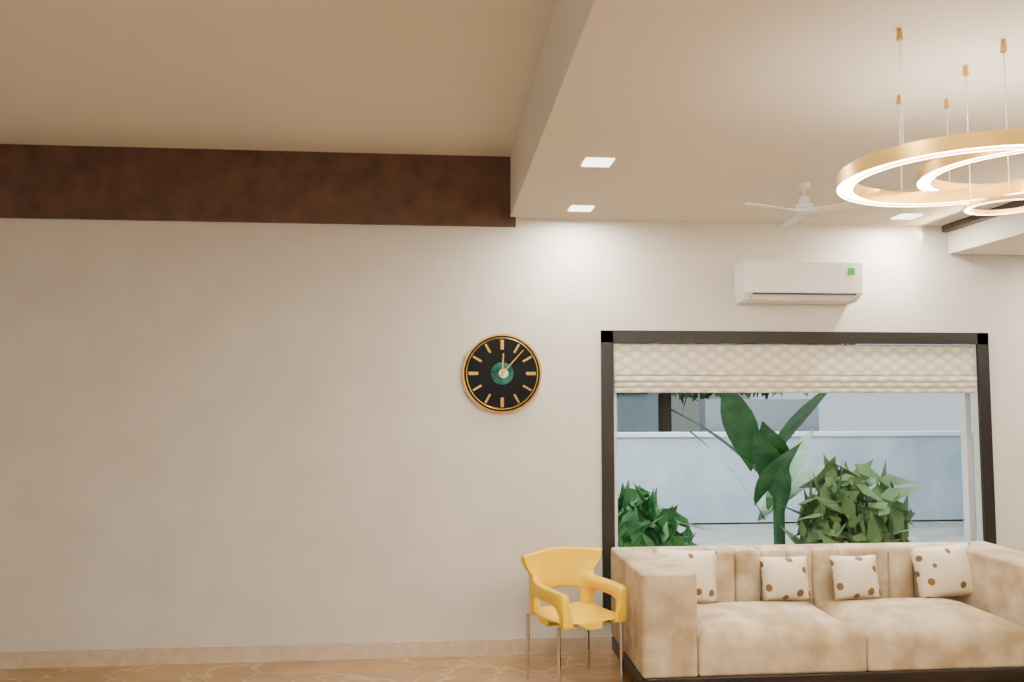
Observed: 12 h 07 min
